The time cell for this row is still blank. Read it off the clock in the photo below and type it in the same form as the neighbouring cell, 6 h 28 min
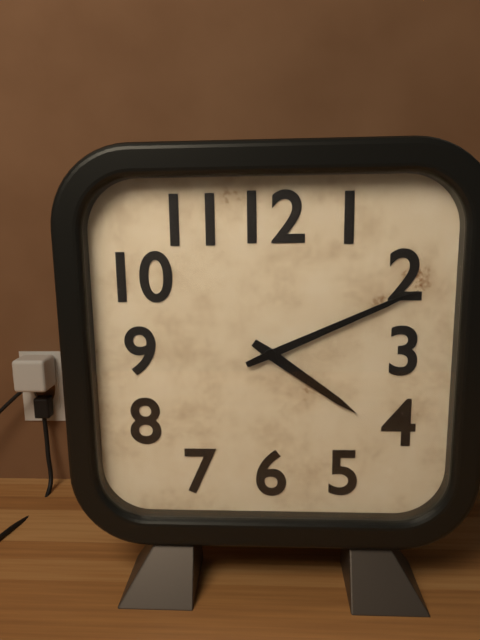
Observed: 4 h 11 min
